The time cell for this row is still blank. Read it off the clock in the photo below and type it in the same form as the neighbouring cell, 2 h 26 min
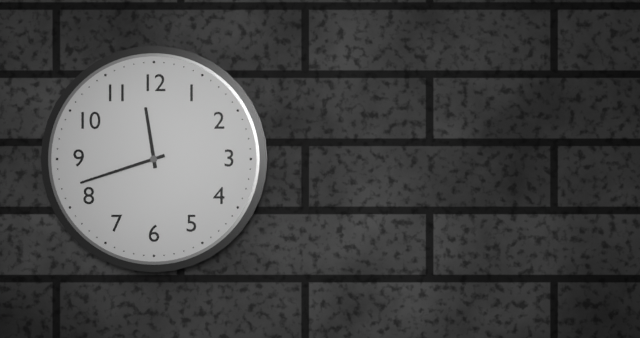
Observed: 11 h 42 min
